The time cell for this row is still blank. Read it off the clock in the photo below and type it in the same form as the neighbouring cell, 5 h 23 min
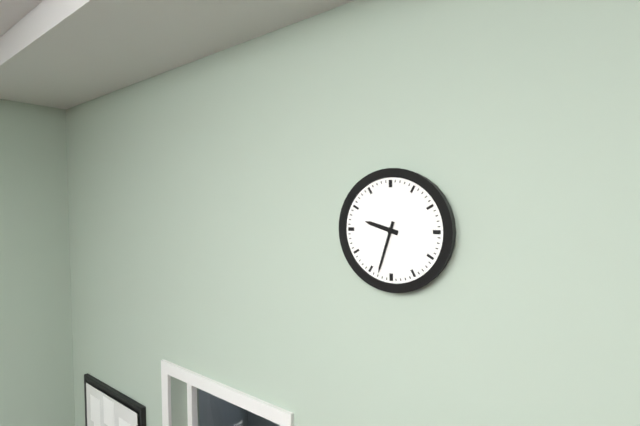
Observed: 9 h 33 min
